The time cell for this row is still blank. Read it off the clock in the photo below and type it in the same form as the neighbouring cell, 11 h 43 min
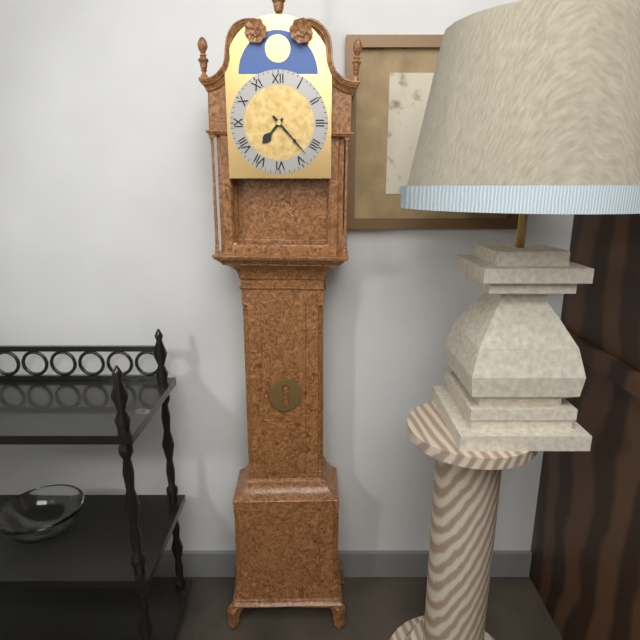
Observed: 7 h 23 min
